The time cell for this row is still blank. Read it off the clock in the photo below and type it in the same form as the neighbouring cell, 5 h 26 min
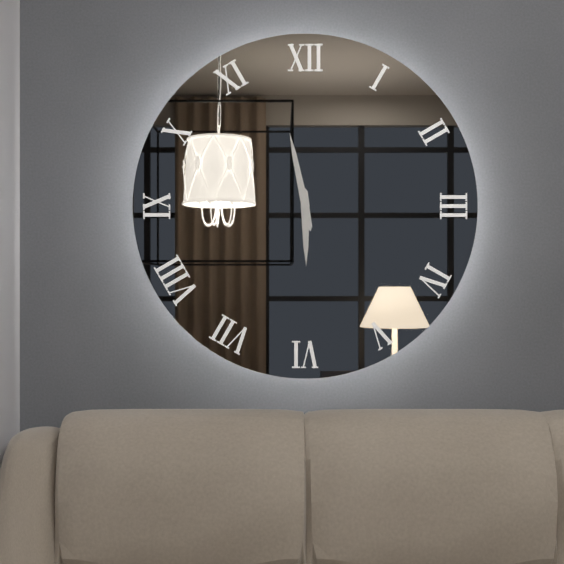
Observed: 5 h 58 min
